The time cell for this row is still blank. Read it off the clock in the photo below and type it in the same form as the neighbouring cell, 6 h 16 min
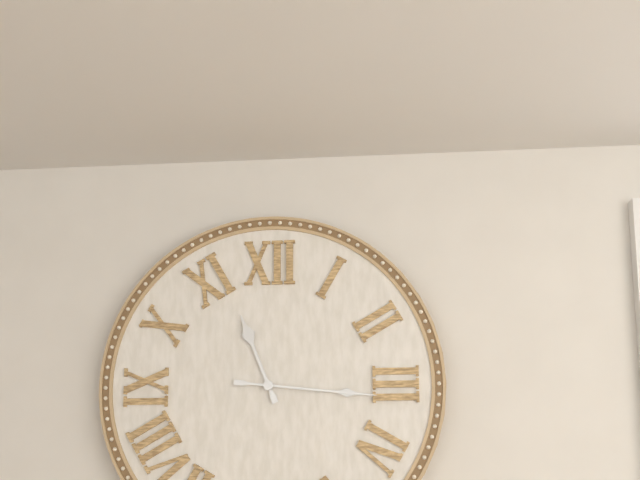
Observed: 11 h 16 min
